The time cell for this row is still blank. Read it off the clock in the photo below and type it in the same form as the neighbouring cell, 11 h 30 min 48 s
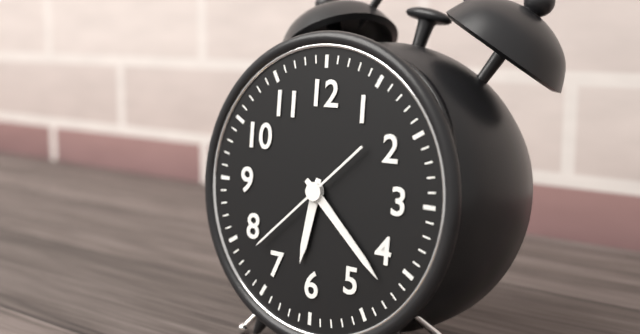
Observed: 6 h 22 min 38 s
